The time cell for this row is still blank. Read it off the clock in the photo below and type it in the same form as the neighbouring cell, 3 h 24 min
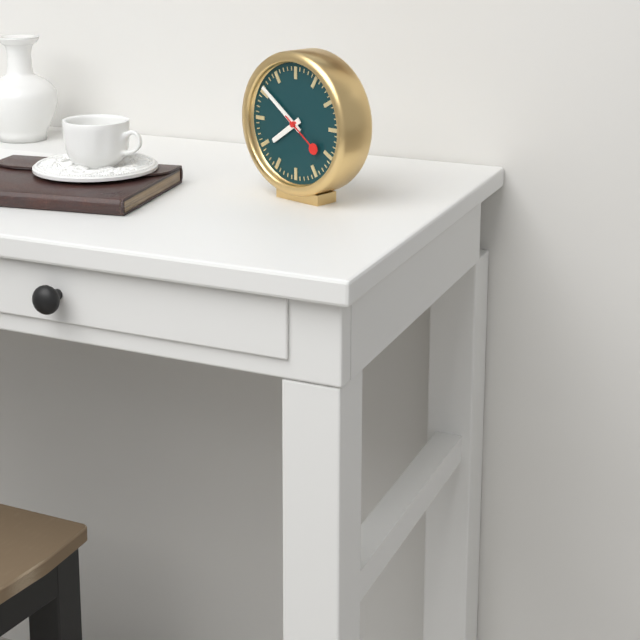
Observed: 7 h 51 min
